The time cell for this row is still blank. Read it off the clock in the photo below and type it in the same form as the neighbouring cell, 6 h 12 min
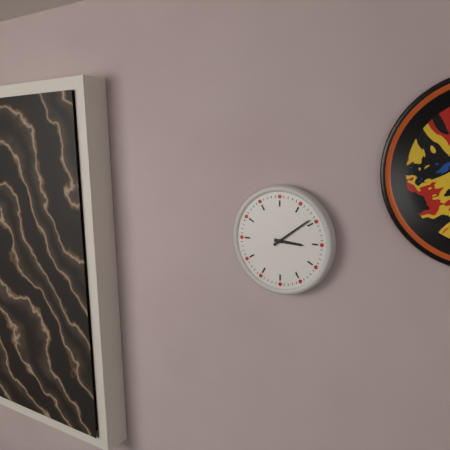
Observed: 3 h 09 min
